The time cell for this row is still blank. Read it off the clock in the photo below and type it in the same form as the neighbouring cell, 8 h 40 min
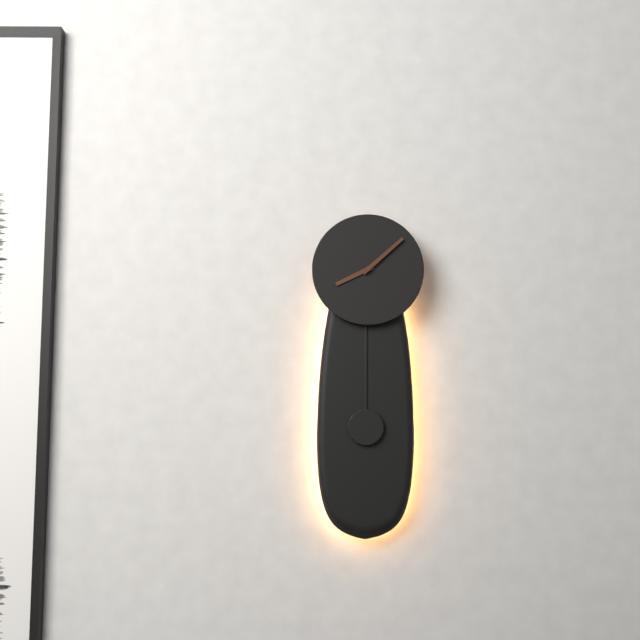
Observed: 8 h 08 min
